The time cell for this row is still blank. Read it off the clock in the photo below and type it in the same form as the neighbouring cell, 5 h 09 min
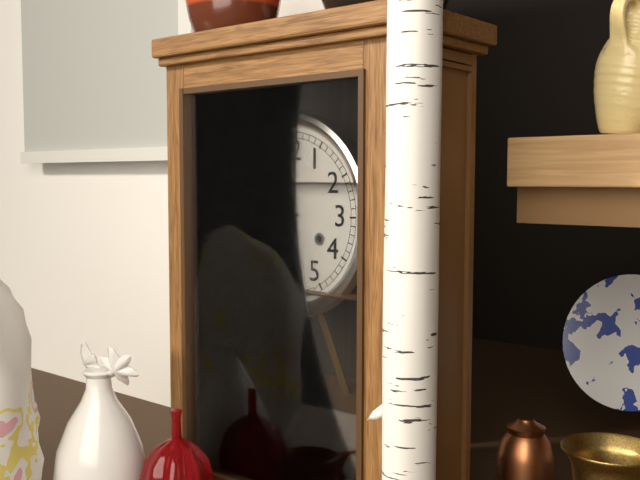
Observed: 8 h 57 min
